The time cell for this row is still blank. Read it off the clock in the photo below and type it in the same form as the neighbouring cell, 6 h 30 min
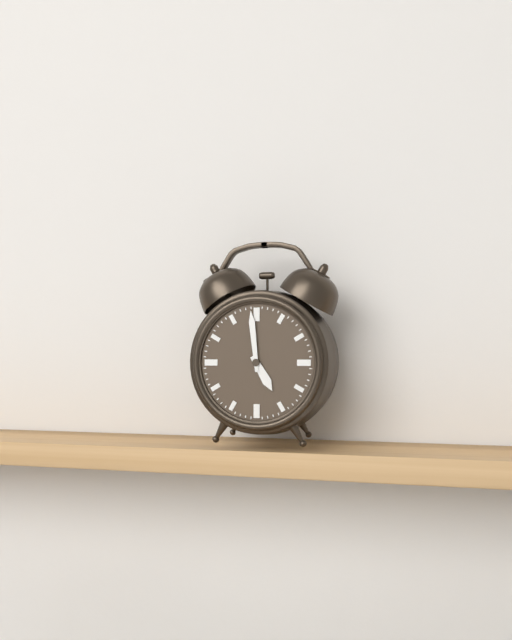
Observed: 4 h 59 min
